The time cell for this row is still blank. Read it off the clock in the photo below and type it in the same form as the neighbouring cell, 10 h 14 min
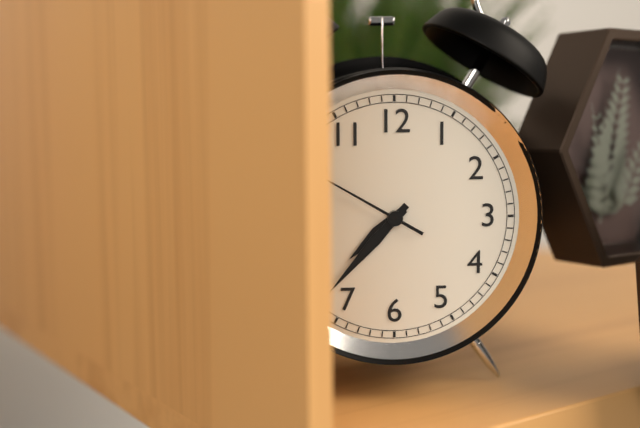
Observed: 7 h 37 min
